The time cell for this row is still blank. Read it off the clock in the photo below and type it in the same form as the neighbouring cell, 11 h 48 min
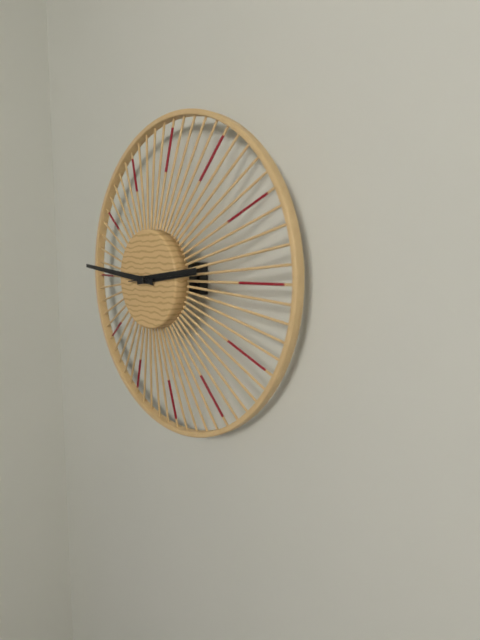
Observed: 2 h 46 min
